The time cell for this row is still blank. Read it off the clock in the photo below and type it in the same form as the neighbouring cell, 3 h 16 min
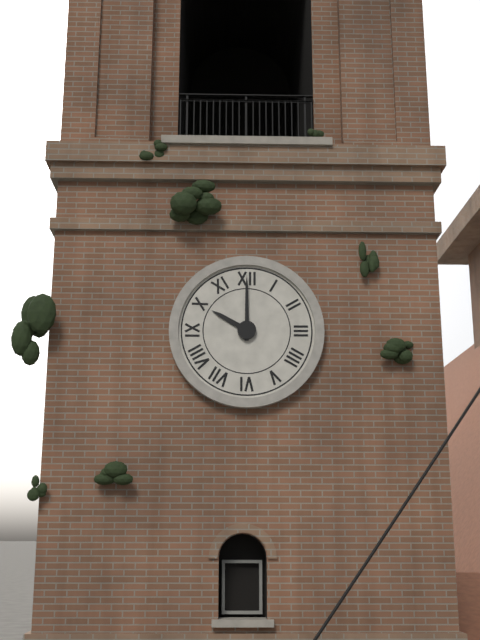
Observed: 10 h 00 min
